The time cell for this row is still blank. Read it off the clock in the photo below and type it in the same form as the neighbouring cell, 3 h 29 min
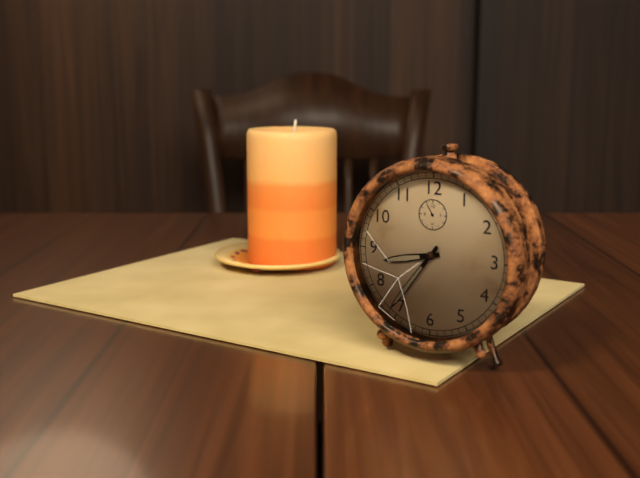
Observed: 8 h 36 min
